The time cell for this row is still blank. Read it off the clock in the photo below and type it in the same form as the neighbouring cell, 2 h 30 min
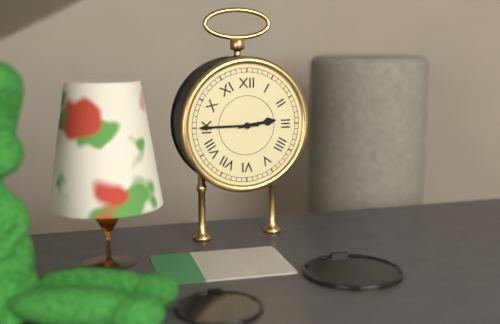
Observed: 2 h 45 min
